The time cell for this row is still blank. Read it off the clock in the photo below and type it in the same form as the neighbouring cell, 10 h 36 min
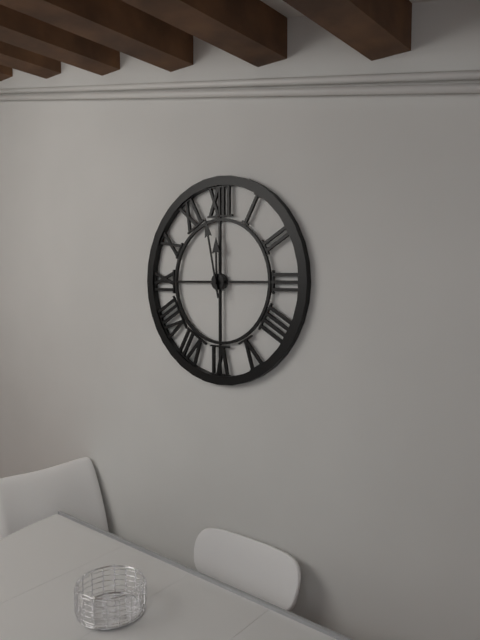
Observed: 11 h 58 min
